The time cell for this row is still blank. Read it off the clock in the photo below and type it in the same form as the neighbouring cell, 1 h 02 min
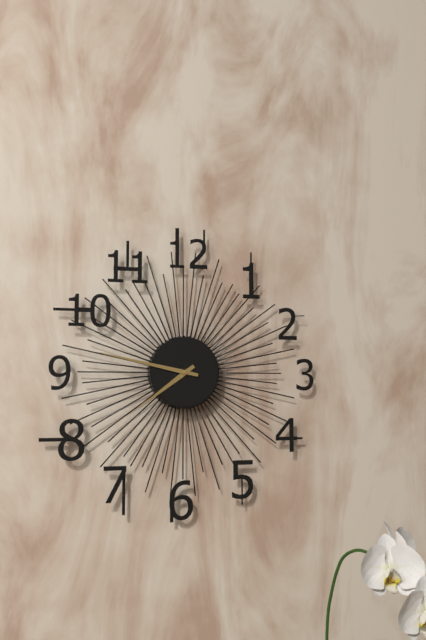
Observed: 7 h 47 min
